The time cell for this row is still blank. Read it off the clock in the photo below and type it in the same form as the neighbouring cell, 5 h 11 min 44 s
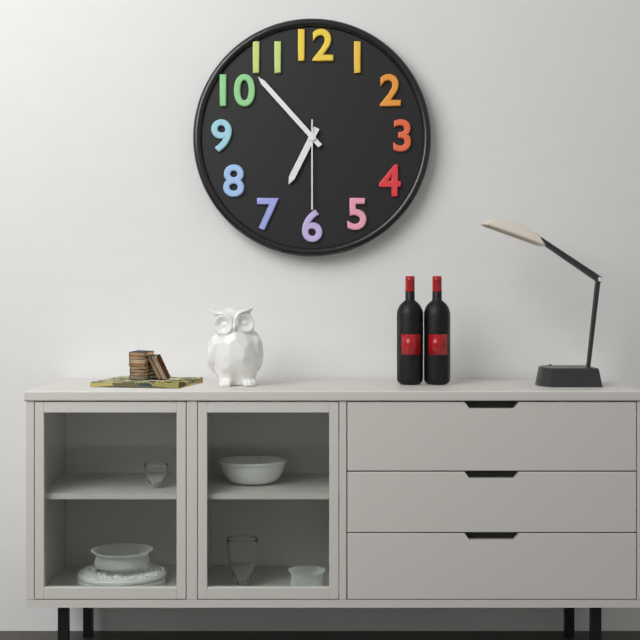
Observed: 6 h 53 min 30 s
